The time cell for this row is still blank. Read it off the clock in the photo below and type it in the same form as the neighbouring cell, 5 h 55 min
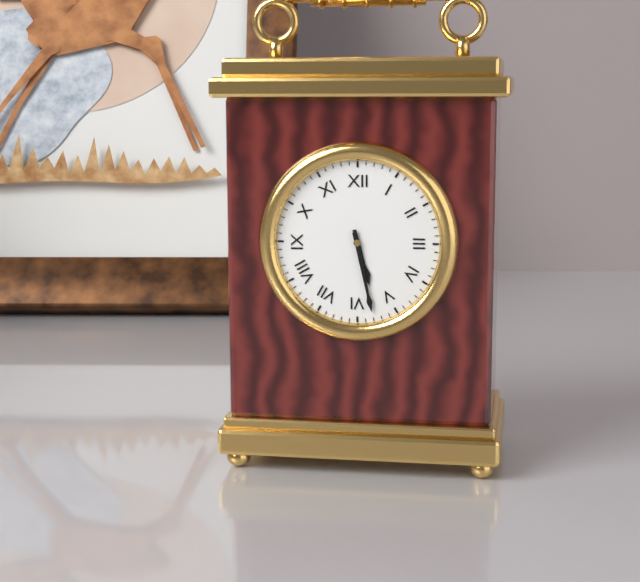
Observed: 5 h 28 min
